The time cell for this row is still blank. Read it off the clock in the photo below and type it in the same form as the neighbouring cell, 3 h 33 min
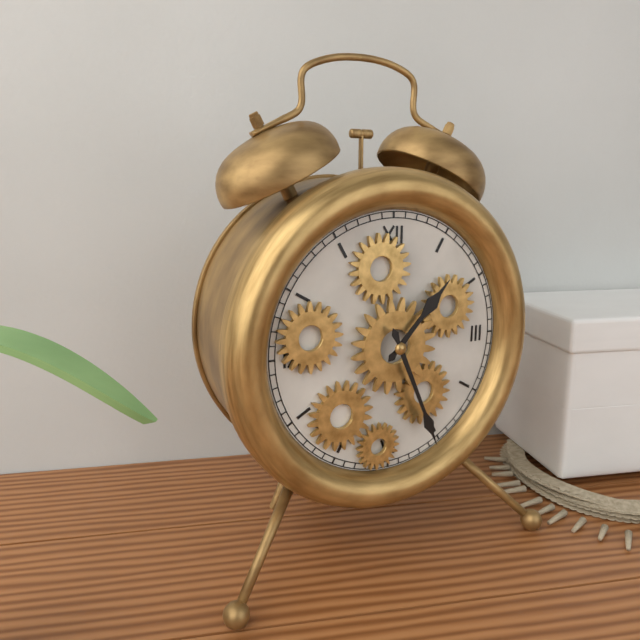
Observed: 1 h 26 min
